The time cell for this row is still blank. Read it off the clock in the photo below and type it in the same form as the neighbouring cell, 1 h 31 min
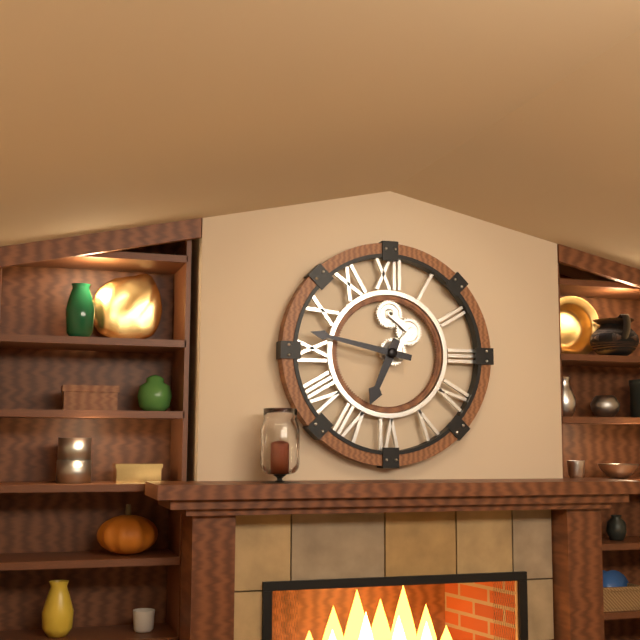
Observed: 6 h 47 min
